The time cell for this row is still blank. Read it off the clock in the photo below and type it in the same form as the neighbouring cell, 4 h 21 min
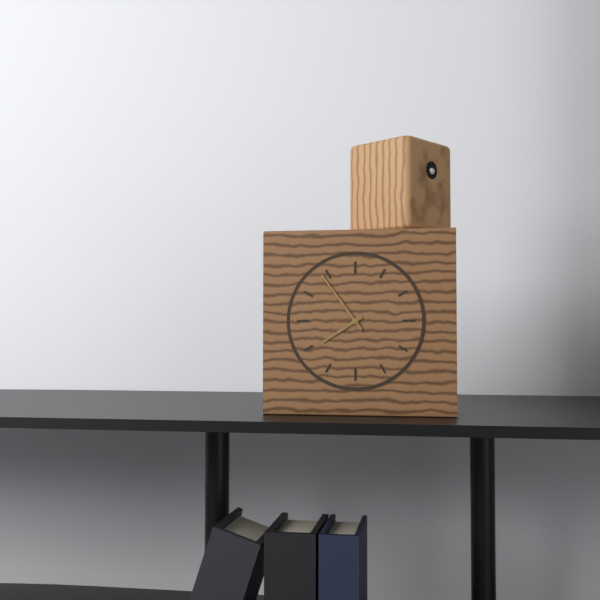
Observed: 7 h 54 min
